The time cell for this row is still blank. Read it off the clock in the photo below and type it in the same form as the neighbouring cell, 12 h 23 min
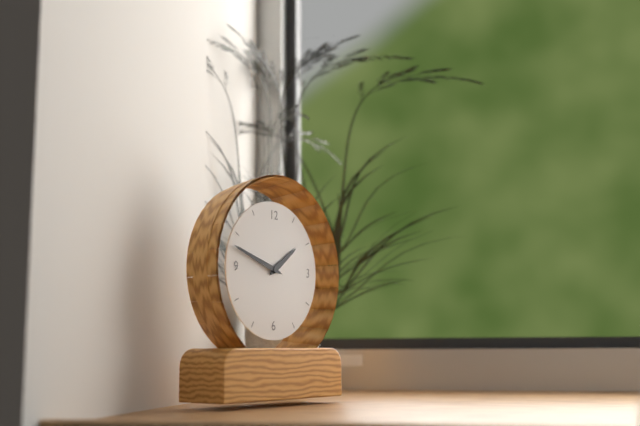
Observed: 1 h 48 min
